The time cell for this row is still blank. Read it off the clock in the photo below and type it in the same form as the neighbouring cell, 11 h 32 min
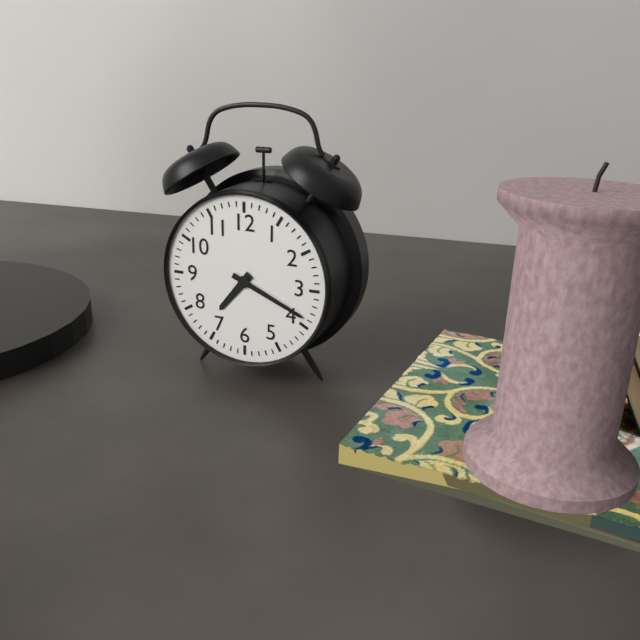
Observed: 7 h 19 min
